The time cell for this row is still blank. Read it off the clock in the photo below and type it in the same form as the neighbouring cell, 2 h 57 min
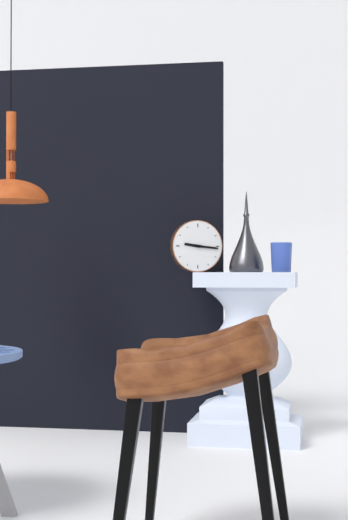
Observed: 9 h 16 min
